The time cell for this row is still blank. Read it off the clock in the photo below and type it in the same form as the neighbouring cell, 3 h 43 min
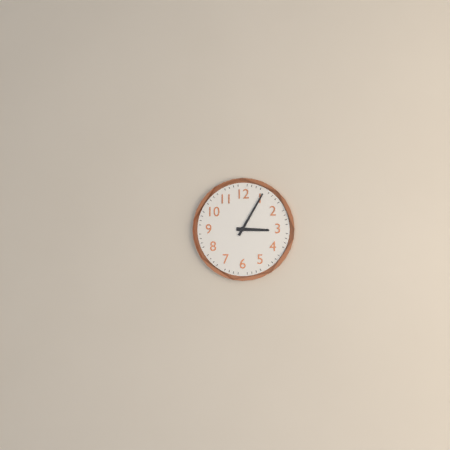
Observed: 3 h 05 min
